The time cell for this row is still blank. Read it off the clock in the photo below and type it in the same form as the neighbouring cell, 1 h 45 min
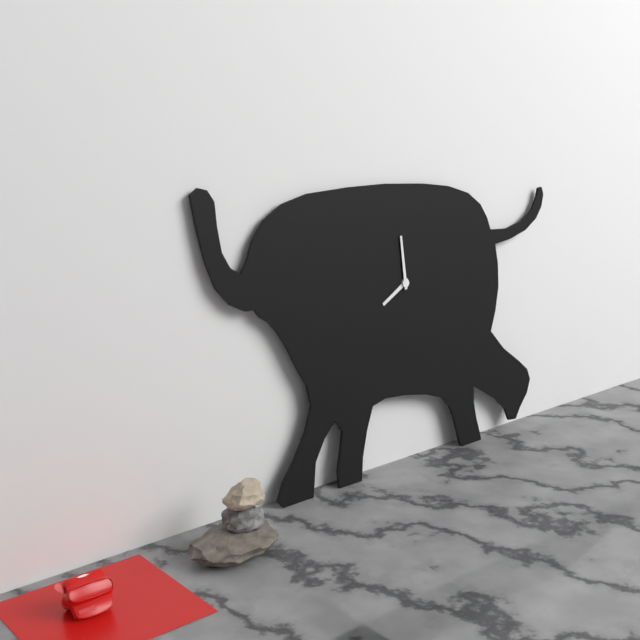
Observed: 7 h 59 min
